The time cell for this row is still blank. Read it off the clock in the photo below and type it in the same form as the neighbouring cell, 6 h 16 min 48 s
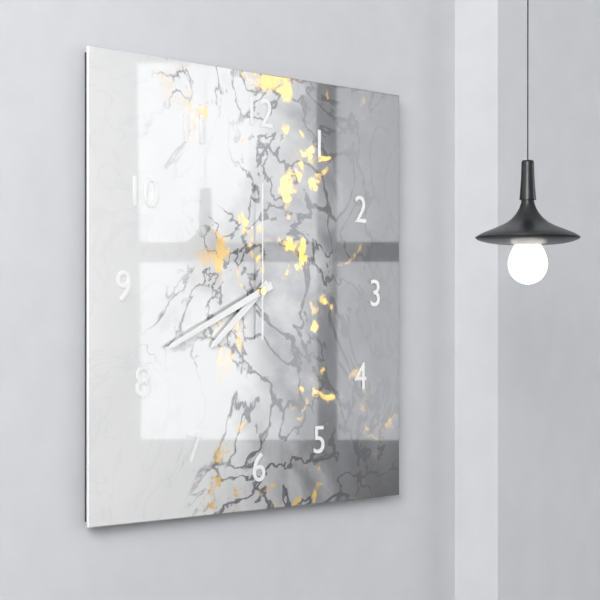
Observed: 7 h 41 min 00 s
